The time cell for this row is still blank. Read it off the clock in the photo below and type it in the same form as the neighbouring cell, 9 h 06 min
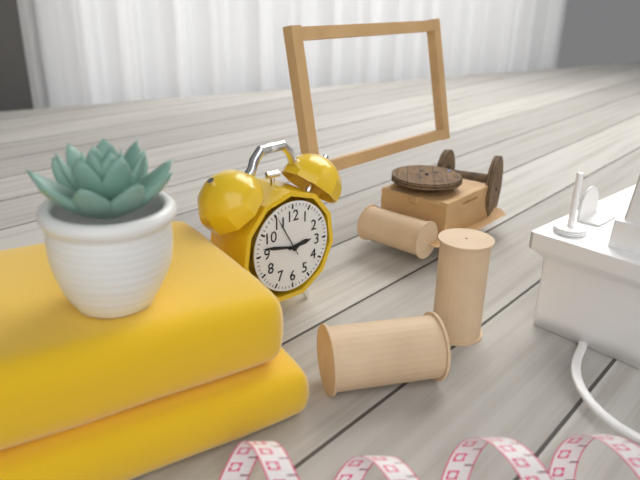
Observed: 2 h 47 min
